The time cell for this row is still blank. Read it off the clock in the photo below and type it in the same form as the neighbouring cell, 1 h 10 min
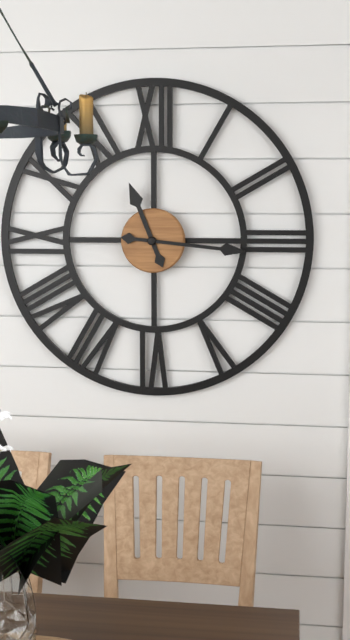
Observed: 11 h 16 min
